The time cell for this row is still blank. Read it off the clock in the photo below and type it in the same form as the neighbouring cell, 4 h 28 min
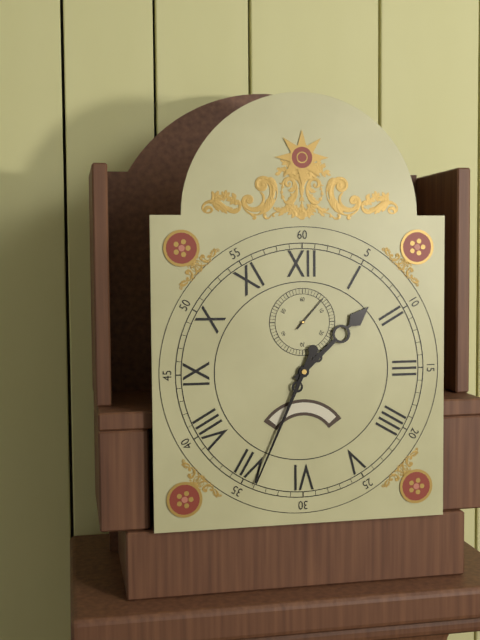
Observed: 1 h 34 min
